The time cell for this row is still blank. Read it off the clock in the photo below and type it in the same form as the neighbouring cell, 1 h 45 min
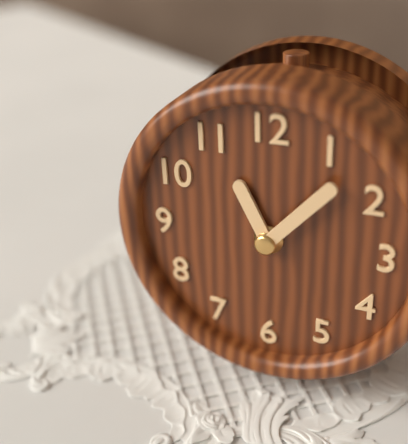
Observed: 11 h 07 min
